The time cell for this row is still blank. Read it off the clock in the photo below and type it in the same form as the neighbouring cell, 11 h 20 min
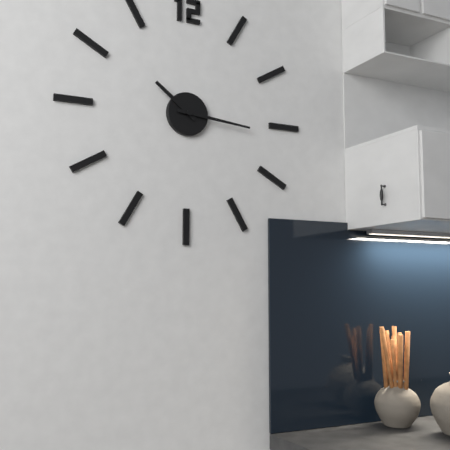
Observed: 10 h 16 min
